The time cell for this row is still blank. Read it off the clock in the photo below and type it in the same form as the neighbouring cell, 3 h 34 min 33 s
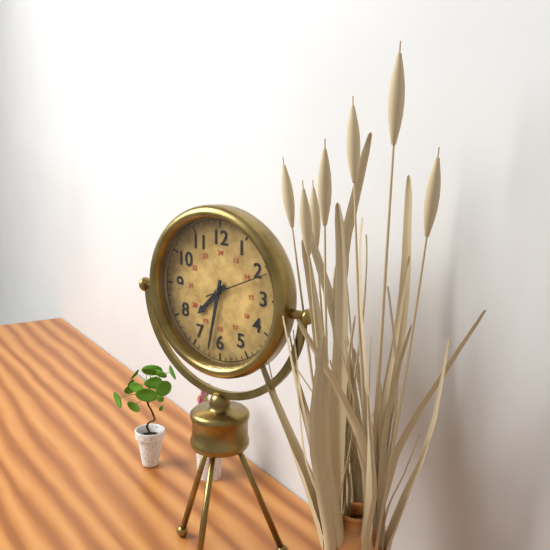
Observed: 7 h 32 min 11 s
